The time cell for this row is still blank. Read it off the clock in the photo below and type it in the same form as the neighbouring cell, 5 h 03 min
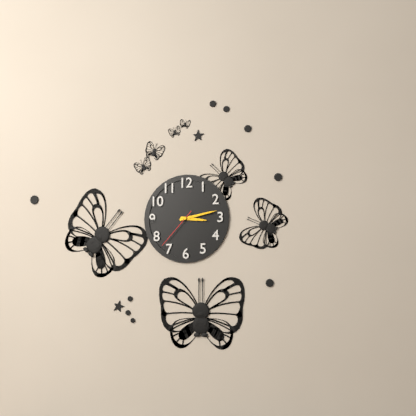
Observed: 3 h 13 min
